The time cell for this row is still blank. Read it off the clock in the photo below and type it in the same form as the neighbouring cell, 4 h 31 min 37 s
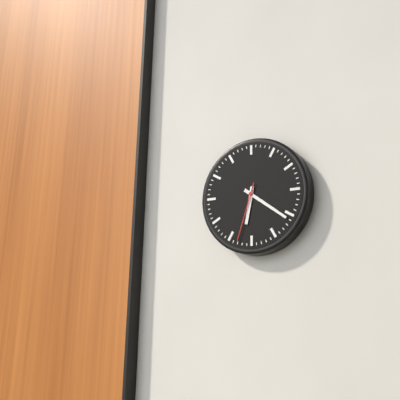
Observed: 6 h 21 min 33 s
